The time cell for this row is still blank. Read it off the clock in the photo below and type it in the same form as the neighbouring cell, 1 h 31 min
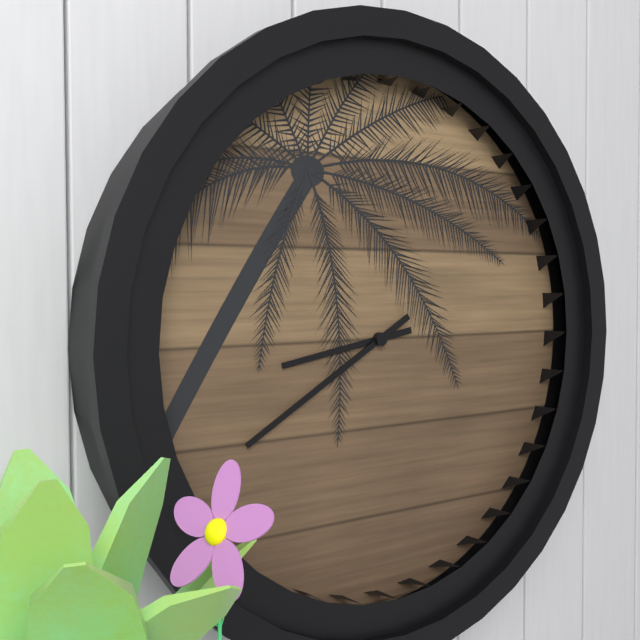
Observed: 8 h 40 min
